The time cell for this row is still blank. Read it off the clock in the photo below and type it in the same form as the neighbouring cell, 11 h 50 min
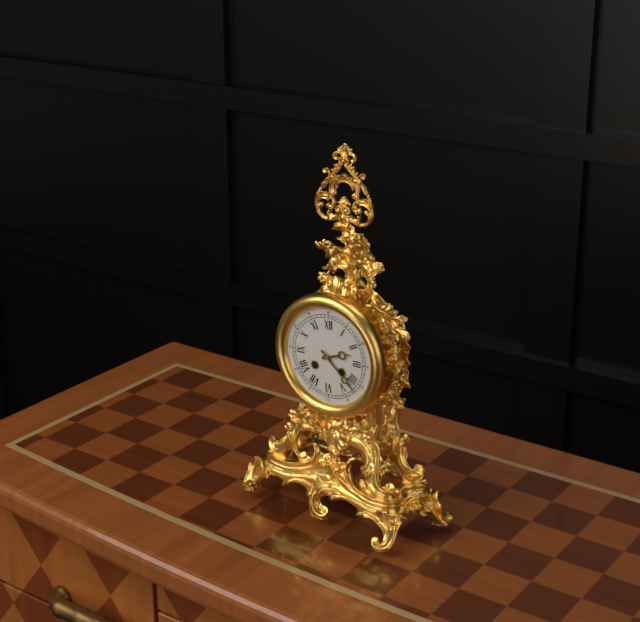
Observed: 2 h 22 min
